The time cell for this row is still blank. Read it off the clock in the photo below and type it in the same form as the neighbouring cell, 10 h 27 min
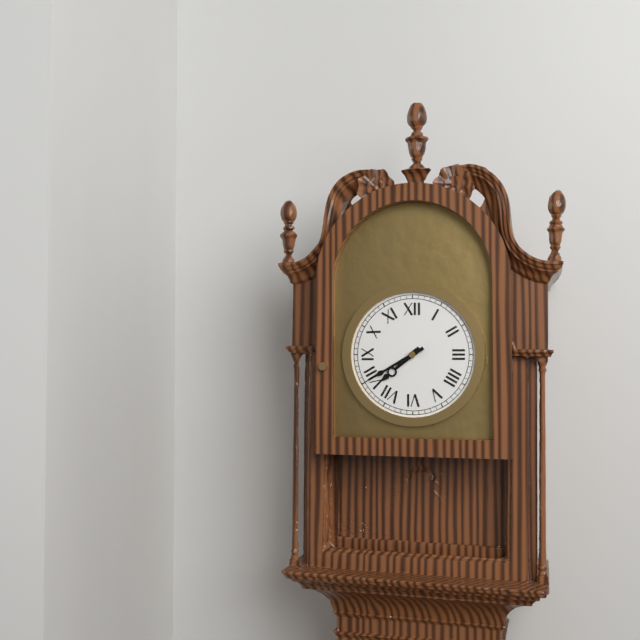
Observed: 7 h 40 min
